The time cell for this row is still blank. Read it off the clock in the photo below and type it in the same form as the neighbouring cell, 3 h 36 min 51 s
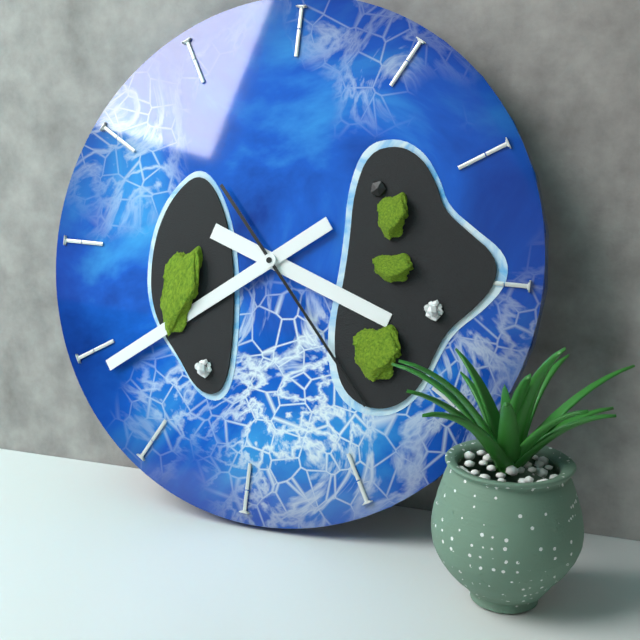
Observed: 3 h 39 min 23 s
